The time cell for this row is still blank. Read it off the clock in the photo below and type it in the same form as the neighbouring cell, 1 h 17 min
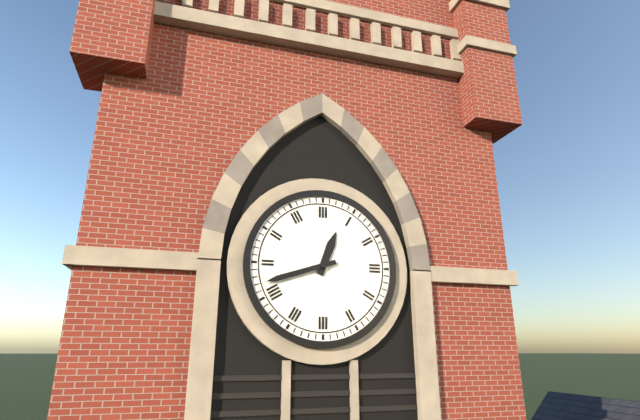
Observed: 12 h 42 min
